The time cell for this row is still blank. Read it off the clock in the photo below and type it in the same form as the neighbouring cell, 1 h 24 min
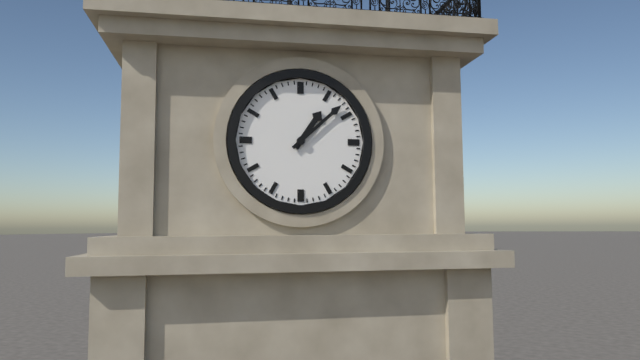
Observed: 1 h 08 min
